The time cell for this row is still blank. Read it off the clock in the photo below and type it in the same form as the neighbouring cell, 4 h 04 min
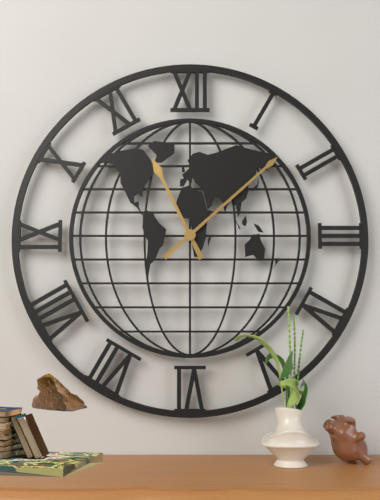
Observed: 11 h 08 min
